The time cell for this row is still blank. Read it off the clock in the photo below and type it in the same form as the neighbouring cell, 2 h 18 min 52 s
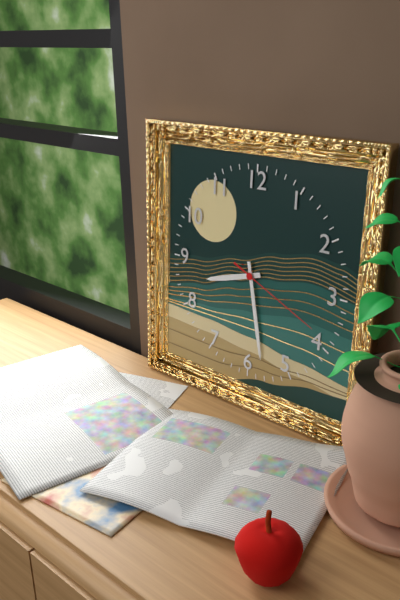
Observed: 8 h 28 min 19 s
